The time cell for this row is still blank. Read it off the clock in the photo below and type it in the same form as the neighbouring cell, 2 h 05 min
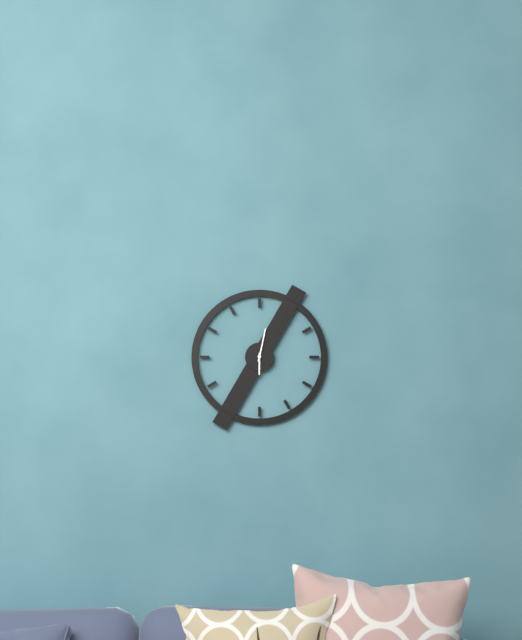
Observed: 6 h 02 min
